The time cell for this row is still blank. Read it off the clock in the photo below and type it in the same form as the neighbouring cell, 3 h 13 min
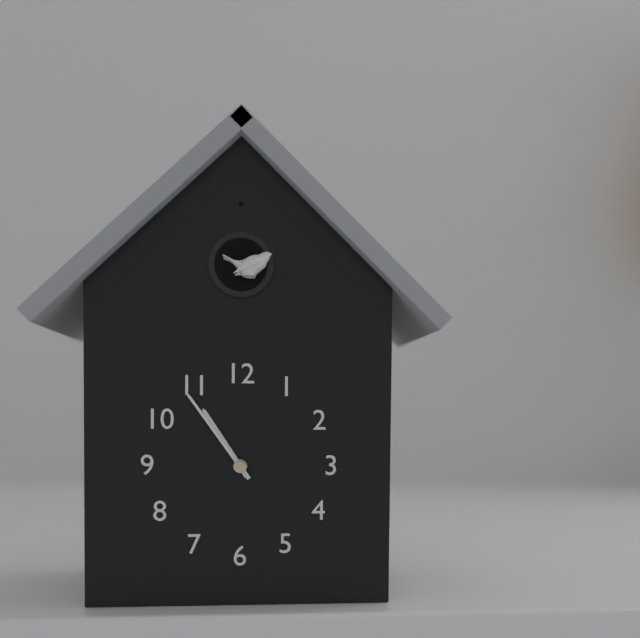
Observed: 10 h 54 min
